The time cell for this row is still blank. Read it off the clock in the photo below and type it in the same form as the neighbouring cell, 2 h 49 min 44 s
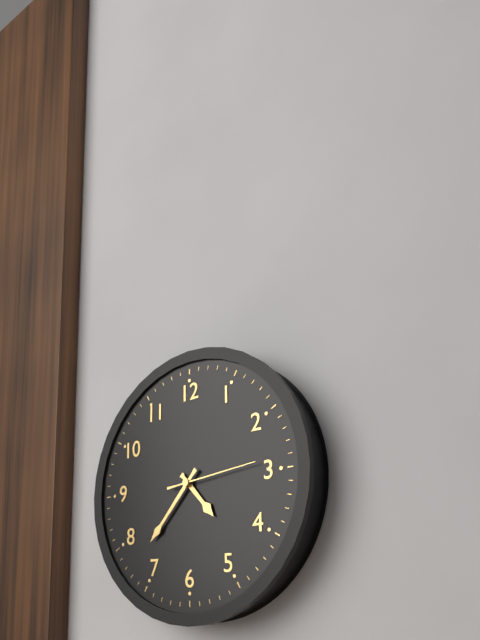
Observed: 4 h 37 min 14 s
